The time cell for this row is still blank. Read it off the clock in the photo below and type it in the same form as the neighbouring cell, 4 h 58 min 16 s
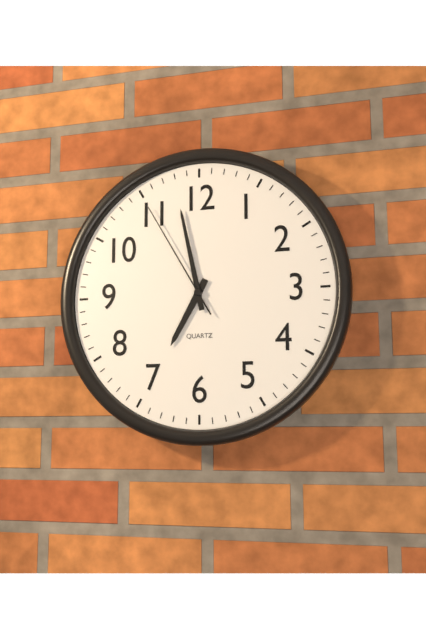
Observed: 6 h 58 min 55 s
